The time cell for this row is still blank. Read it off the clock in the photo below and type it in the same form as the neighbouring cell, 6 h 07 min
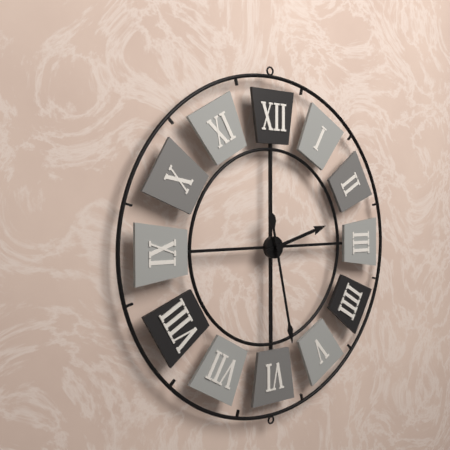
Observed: 2 h 28 min
